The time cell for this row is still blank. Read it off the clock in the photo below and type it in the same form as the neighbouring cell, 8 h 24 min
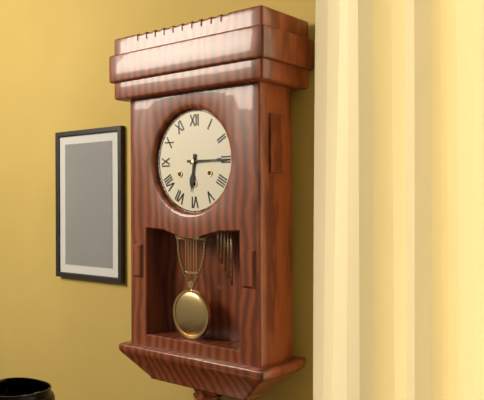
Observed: 6 h 15 min
